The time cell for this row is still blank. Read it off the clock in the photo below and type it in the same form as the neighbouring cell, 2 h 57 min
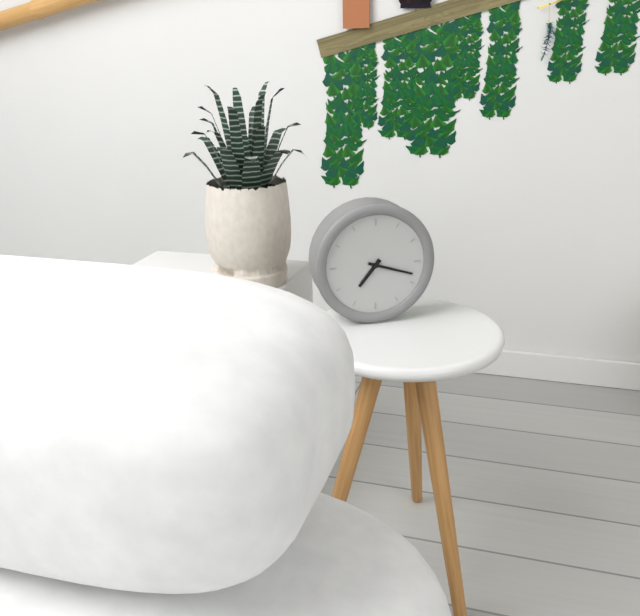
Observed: 7 h 18 min
